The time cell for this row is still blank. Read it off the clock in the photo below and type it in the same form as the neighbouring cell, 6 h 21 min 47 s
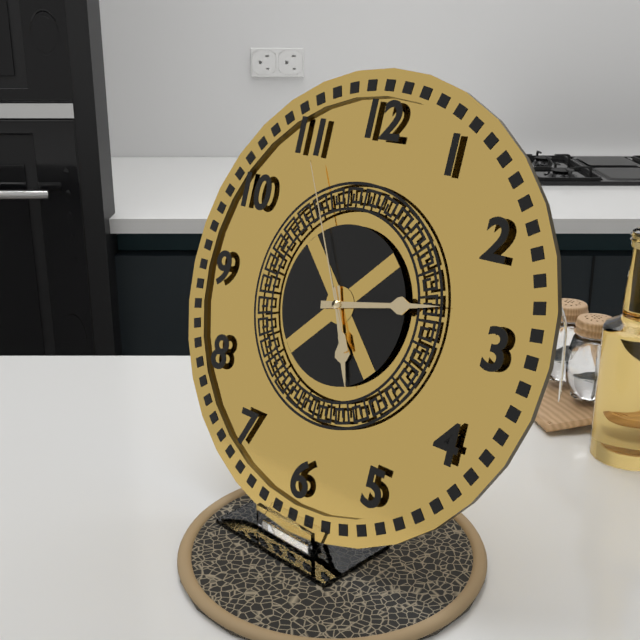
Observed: 5 h 13 min 55 s
